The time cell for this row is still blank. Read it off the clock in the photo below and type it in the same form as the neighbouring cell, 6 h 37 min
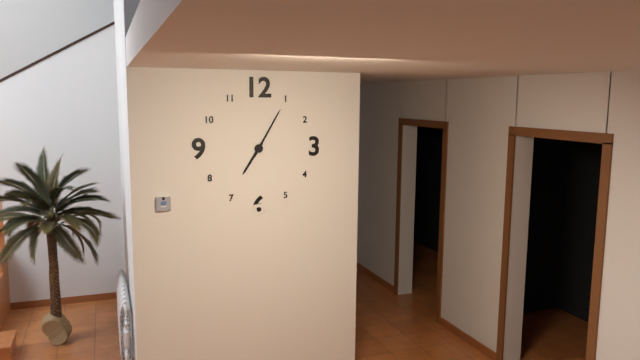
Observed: 7 h 05 min
